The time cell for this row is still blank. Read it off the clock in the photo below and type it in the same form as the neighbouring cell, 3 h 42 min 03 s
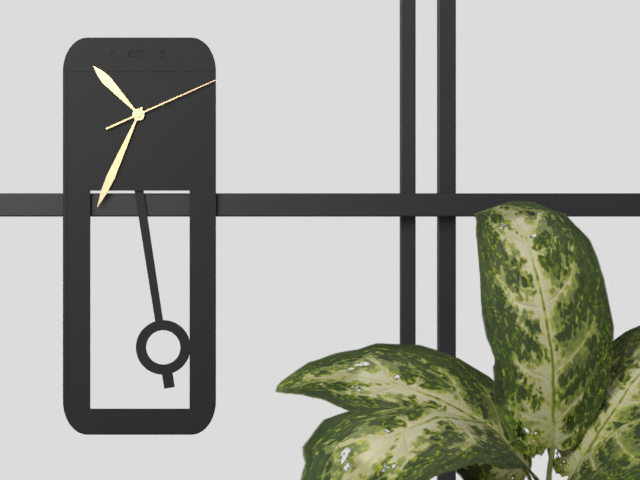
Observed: 10 h 34 min 11 s
